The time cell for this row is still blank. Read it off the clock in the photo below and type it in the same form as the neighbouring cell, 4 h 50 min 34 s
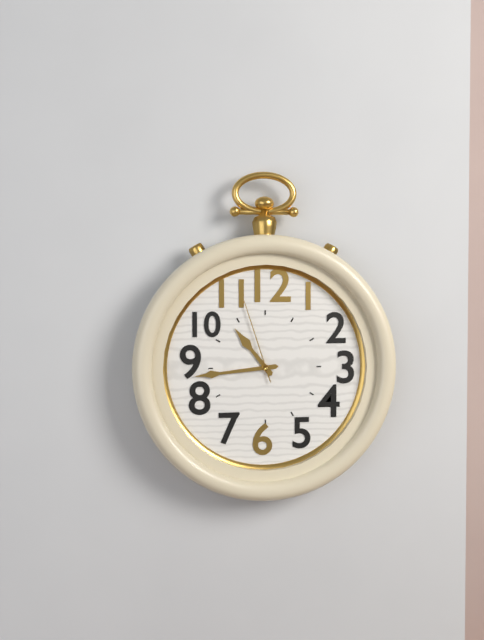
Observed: 10 h 44 min 57 s
